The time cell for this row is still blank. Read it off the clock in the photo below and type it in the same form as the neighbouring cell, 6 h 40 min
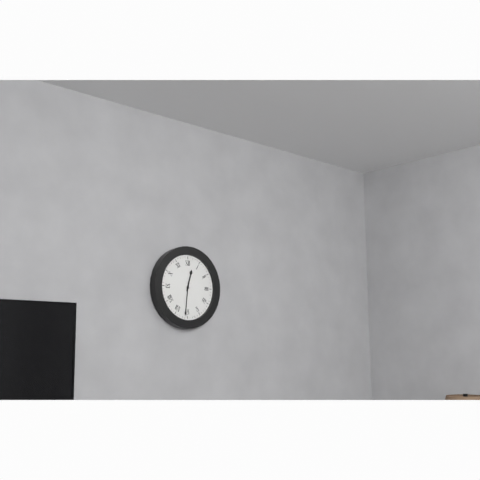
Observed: 12 h 31 min
